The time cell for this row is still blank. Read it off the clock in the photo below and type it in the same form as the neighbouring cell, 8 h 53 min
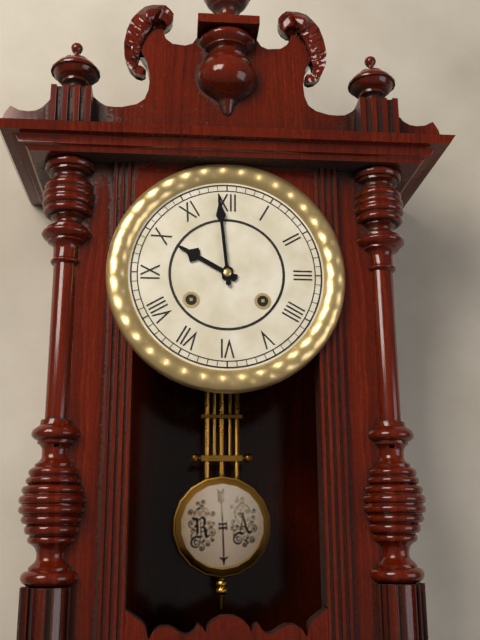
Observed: 9 h 59 min
